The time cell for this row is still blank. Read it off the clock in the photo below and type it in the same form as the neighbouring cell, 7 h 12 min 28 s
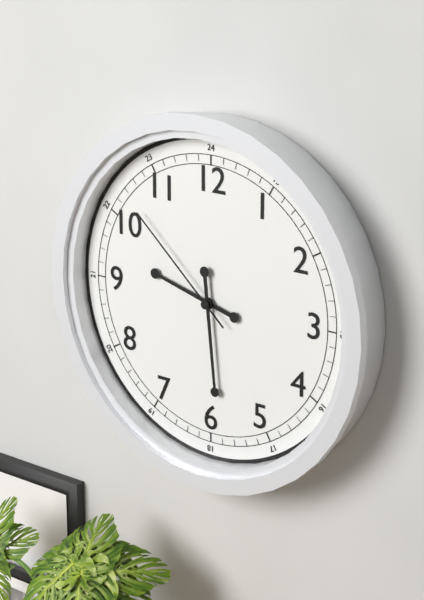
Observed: 9 h 29 min 52 s
